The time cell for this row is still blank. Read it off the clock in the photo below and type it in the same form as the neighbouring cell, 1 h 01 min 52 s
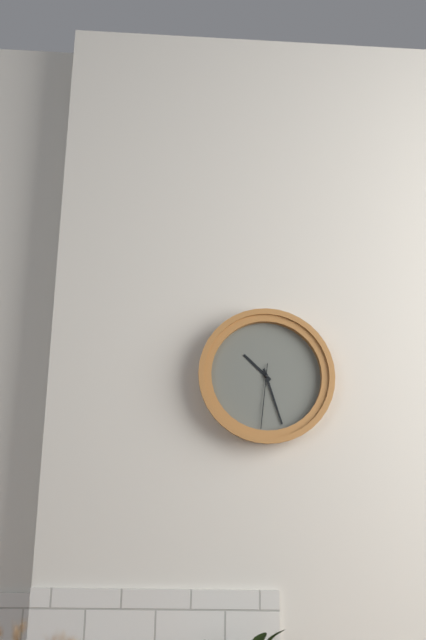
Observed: 10 h 27 min 31 s
